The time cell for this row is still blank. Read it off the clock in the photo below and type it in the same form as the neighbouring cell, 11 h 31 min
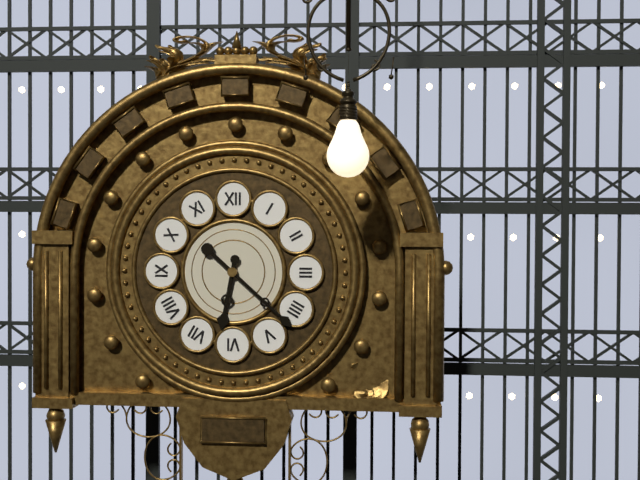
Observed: 6 h 22 min
